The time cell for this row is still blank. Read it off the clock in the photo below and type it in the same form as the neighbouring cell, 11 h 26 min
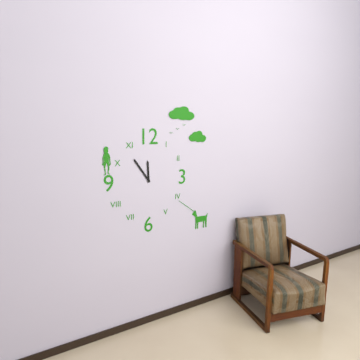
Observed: 11 h 54 min
